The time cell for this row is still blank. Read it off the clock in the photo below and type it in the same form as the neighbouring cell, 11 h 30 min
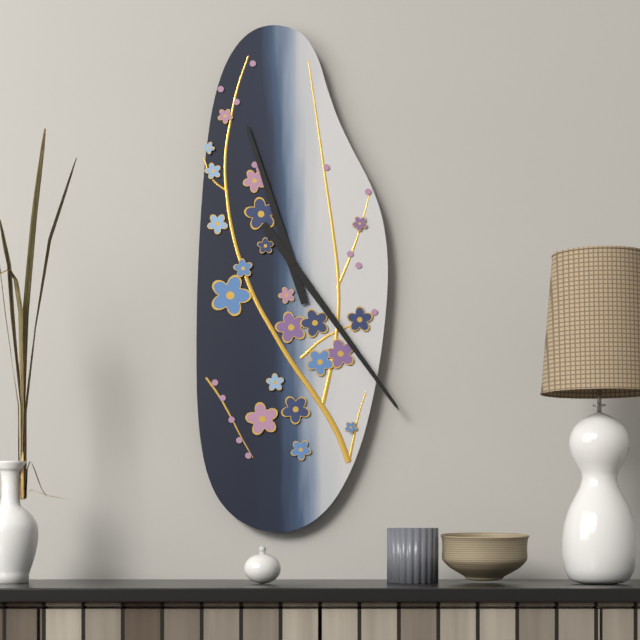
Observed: 11 h 24 min
